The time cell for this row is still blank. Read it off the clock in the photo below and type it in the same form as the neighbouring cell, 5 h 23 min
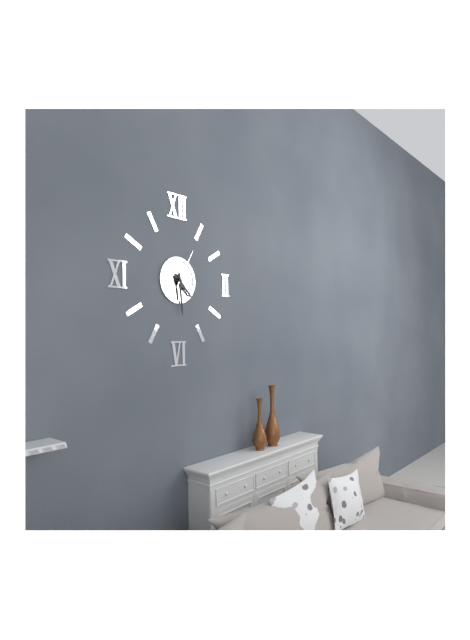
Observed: 4 h 29 min
